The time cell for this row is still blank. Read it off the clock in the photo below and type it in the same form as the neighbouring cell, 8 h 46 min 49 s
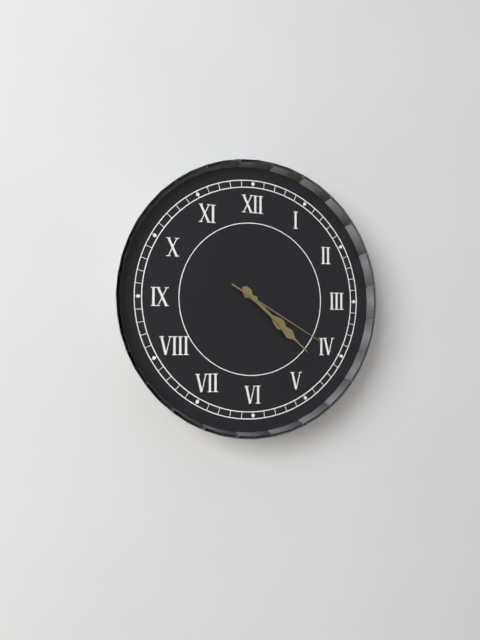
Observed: 4 h 22 min 20 s
